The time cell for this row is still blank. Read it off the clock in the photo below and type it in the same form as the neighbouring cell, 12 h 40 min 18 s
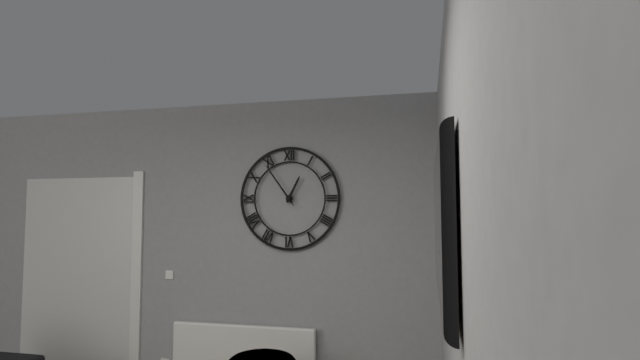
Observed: 12 h 54 min 54 s
